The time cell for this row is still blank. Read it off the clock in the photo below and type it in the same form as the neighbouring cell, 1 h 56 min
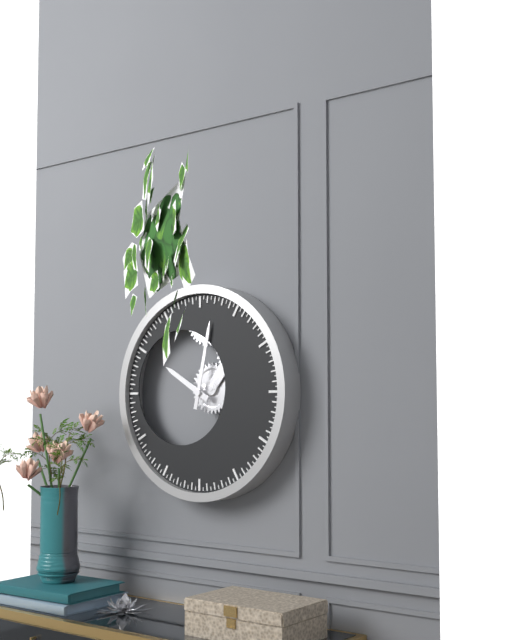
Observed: 10 h 02 min
